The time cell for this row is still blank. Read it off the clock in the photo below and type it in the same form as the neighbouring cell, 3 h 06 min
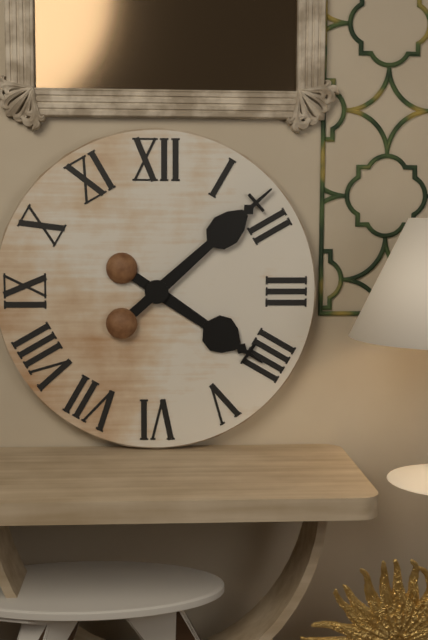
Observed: 4 h 08 min
